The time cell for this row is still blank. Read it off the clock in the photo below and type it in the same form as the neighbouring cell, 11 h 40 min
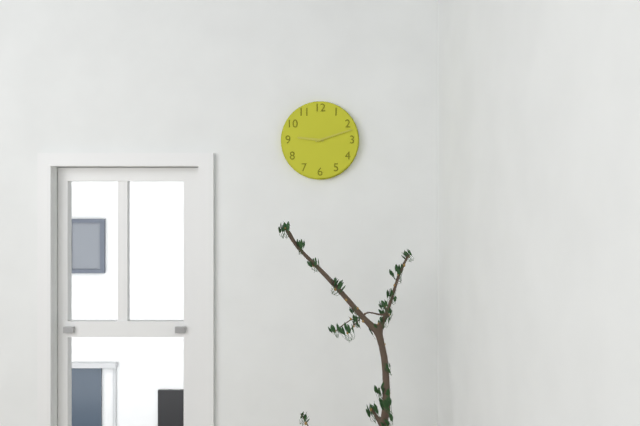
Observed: 9 h 12 min
